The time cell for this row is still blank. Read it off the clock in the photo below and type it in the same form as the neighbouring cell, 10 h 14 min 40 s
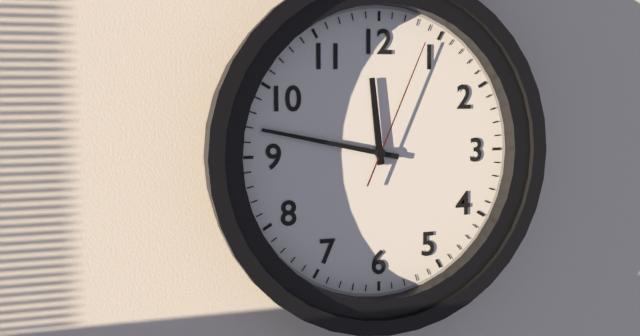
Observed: 11 h 47 min 04 s
